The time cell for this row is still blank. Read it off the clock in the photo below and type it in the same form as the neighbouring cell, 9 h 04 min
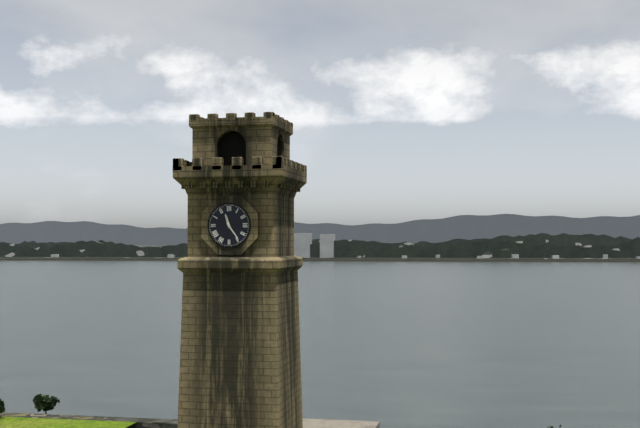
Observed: 11 h 24 min
